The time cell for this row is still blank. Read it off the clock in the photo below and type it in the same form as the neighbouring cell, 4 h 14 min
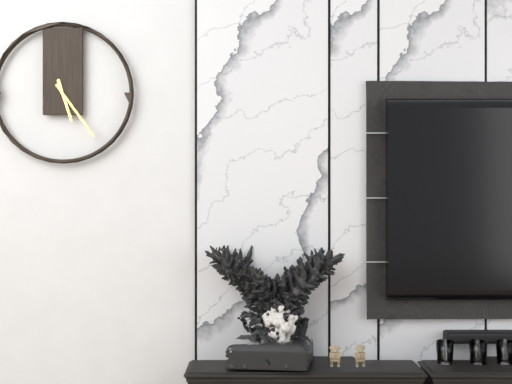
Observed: 5 h 24 min
